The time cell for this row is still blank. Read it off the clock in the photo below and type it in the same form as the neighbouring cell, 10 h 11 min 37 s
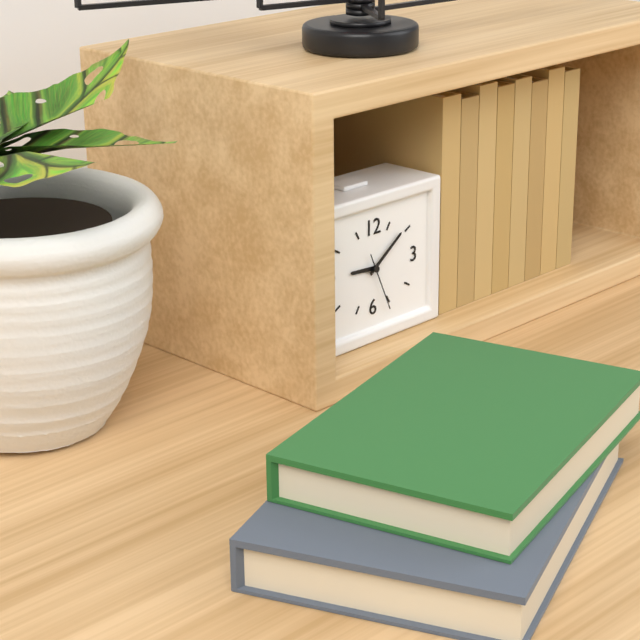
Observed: 9 h 09 min 26 s
